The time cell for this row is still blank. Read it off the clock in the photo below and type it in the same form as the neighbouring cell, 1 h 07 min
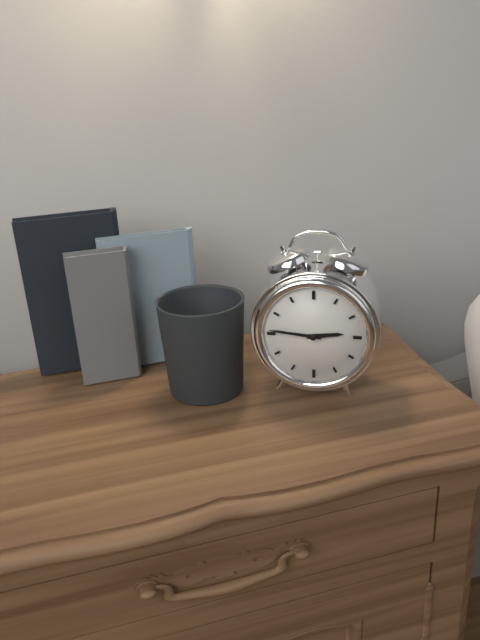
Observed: 2 h 46 min
